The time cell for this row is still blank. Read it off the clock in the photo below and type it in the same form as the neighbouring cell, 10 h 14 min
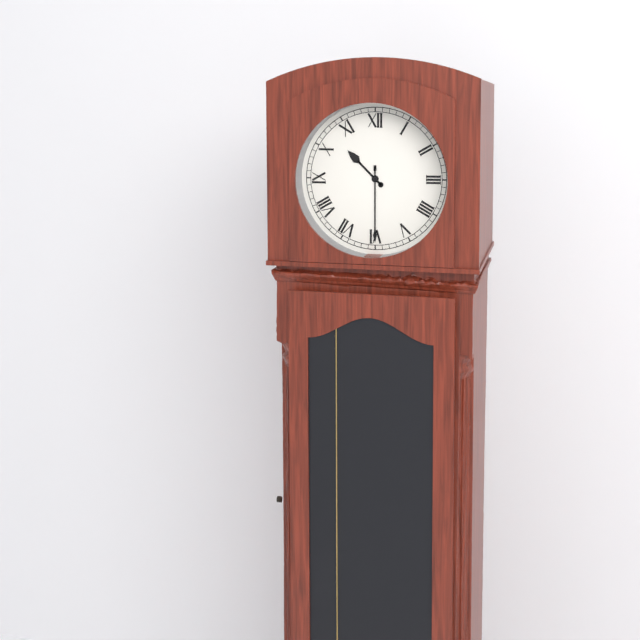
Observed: 10 h 30 min
